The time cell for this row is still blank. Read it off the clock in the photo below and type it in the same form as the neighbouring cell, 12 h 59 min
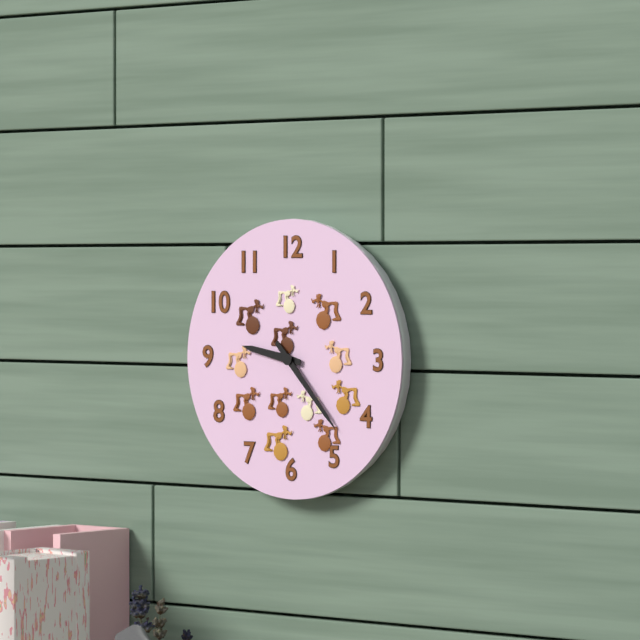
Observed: 9 h 23 min
